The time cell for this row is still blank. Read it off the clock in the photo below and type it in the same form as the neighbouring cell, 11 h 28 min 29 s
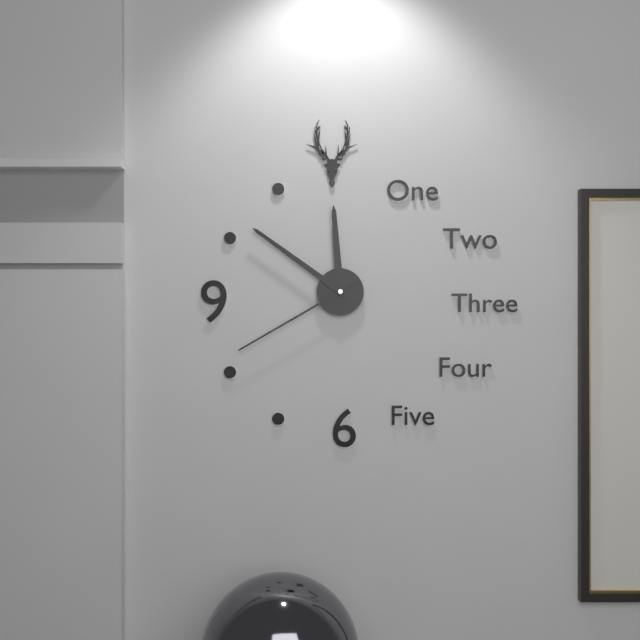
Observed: 11 h 51 min 40 s
